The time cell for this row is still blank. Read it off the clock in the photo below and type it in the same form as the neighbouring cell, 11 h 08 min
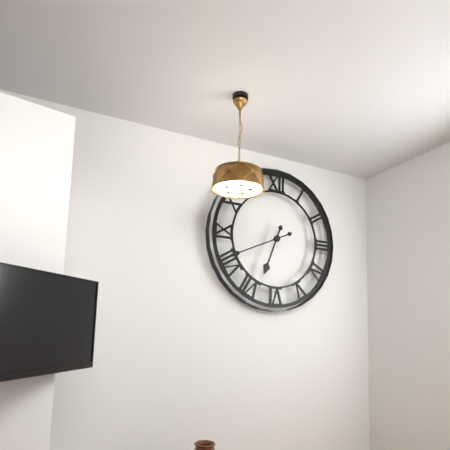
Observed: 6 h 41 min
